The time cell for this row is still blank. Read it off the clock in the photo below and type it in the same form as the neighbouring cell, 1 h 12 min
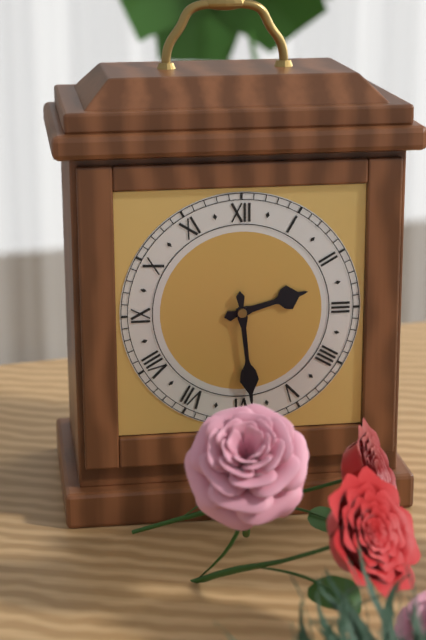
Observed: 2 h 29 min
